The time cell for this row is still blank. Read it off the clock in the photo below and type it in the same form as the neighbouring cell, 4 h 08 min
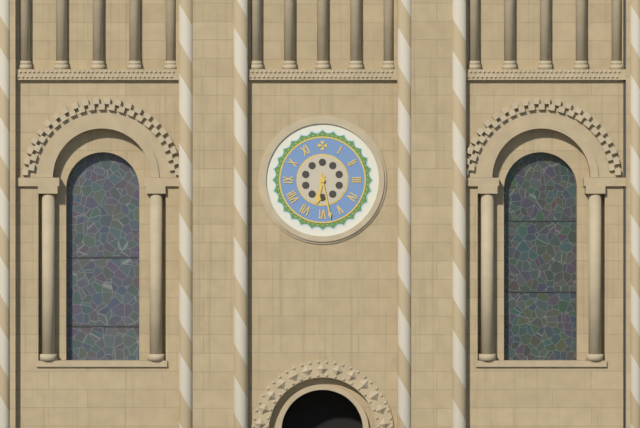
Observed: 6 h 28 min
